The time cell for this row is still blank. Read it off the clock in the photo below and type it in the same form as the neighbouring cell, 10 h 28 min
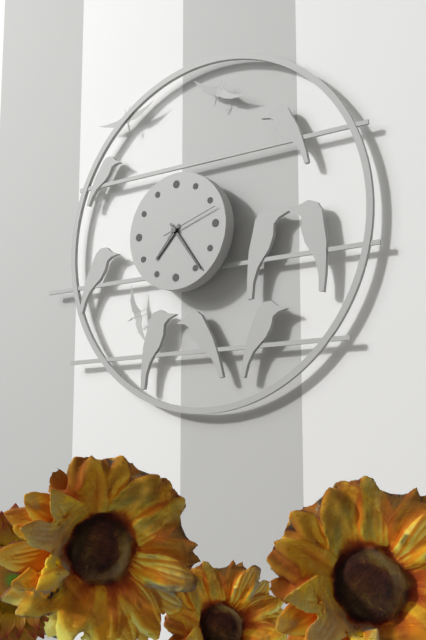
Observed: 7 h 24 min
